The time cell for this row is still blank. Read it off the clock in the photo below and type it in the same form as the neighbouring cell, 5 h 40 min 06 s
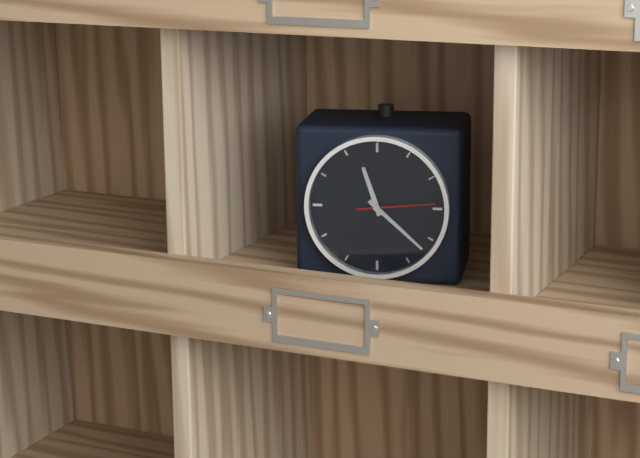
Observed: 11 h 22 min 14 s
